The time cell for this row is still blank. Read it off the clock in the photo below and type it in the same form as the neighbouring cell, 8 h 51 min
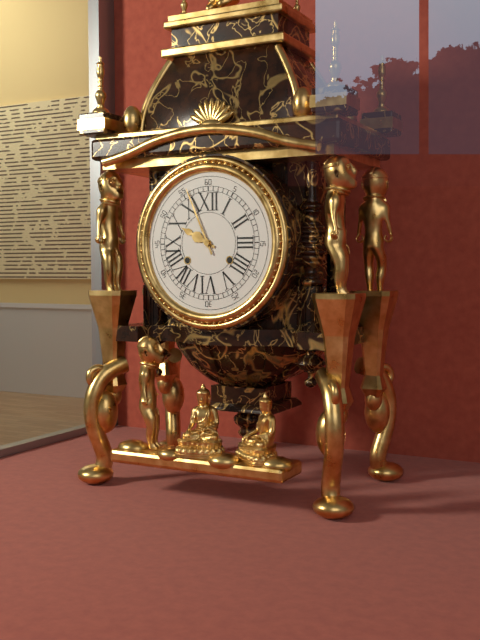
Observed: 9 h 56 min
